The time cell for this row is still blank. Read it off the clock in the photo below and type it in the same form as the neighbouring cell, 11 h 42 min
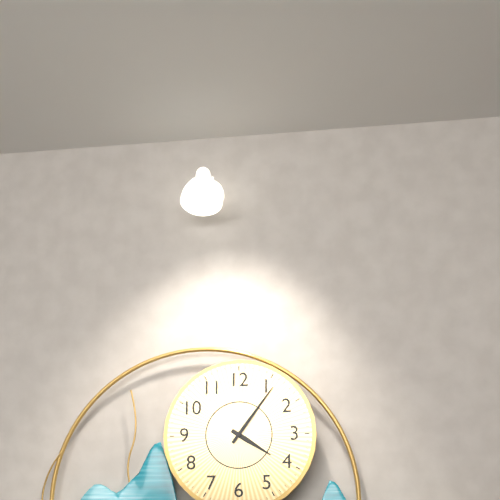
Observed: 4 h 06 min
